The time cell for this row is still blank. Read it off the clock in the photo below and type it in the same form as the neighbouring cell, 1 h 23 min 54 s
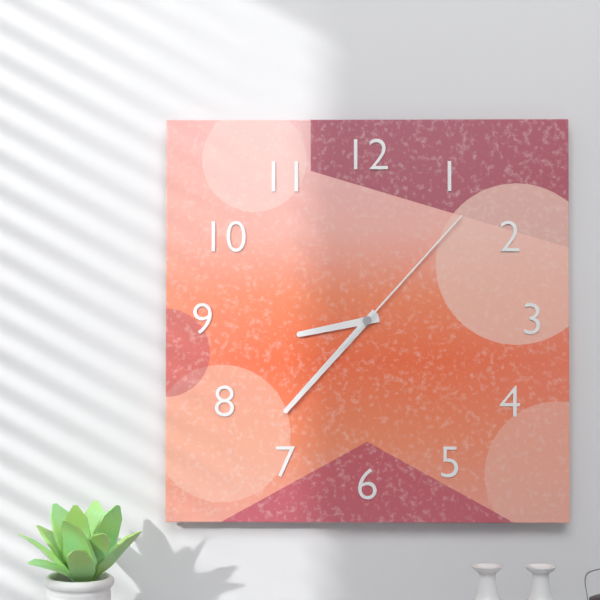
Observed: 8 h 37 min 07 s
